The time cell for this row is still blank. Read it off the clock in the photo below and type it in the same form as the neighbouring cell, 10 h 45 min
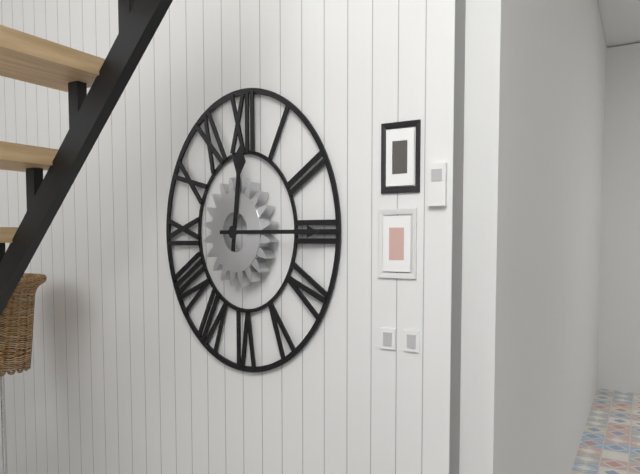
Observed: 12 h 15 min
